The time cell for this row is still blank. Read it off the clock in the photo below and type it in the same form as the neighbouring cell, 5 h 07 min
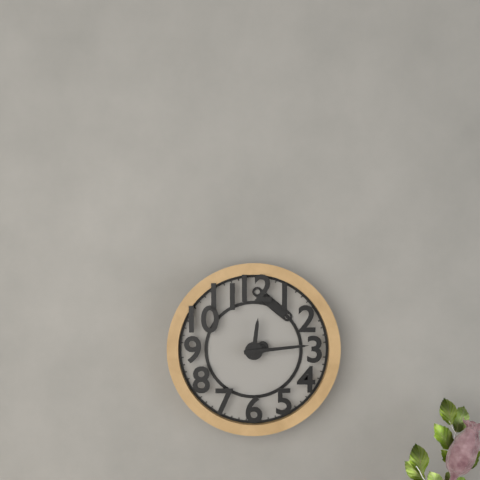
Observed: 12 h 14 min
